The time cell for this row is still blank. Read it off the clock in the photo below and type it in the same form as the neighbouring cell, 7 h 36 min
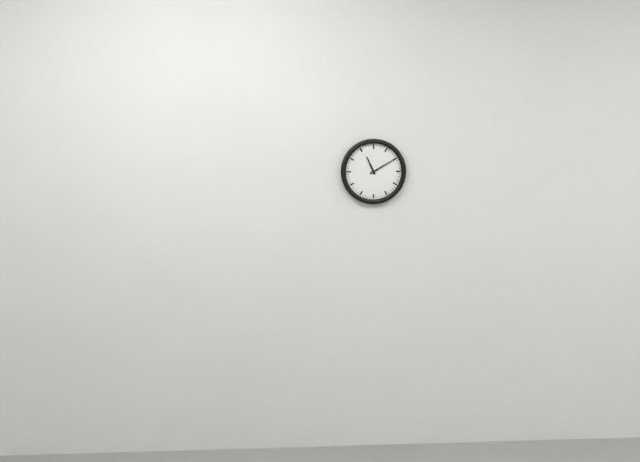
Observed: 11 h 10 min
